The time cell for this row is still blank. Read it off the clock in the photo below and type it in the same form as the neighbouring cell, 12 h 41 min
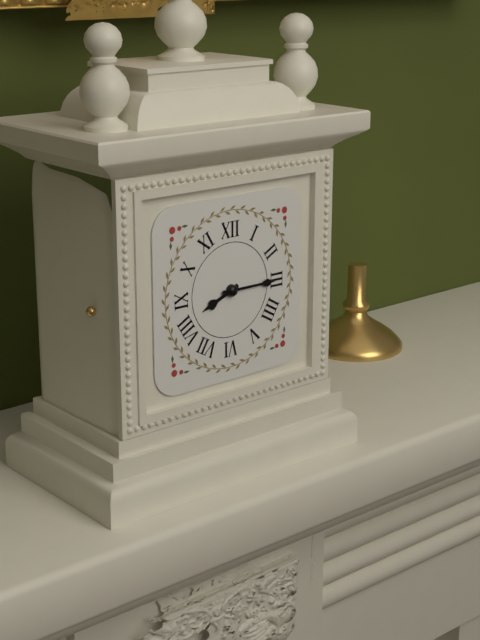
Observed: 8 h 15 min
